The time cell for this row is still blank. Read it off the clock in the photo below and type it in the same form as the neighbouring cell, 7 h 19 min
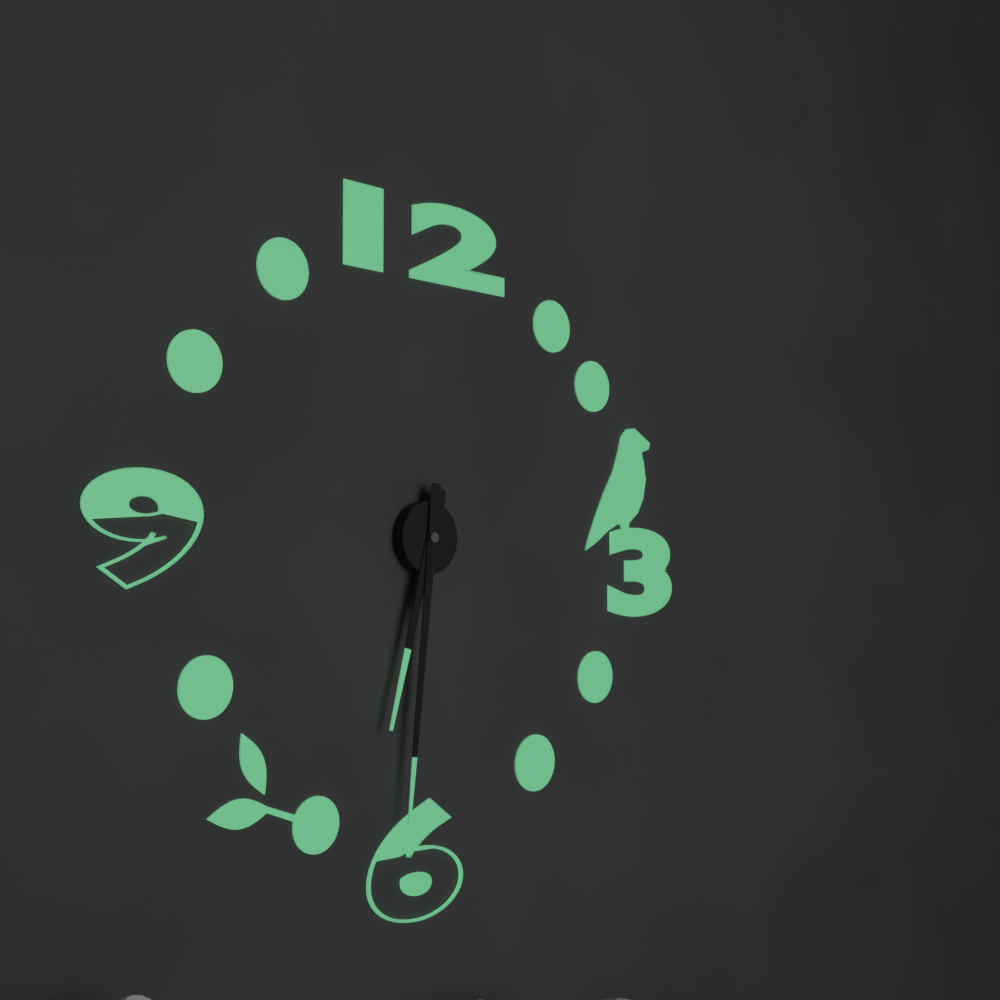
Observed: 6 h 31 min
